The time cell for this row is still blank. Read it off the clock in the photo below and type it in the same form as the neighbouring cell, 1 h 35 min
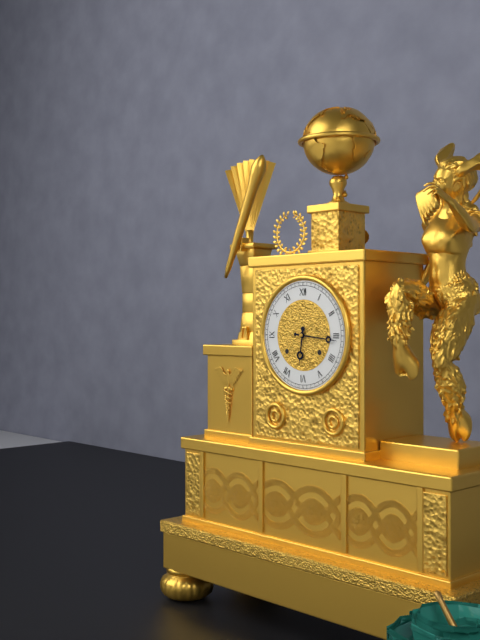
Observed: 6 h 16 min
